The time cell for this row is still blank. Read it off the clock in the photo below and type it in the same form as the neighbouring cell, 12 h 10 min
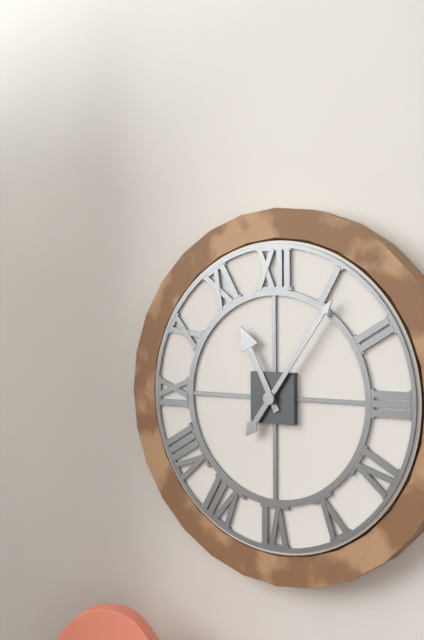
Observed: 11 h 06 min
